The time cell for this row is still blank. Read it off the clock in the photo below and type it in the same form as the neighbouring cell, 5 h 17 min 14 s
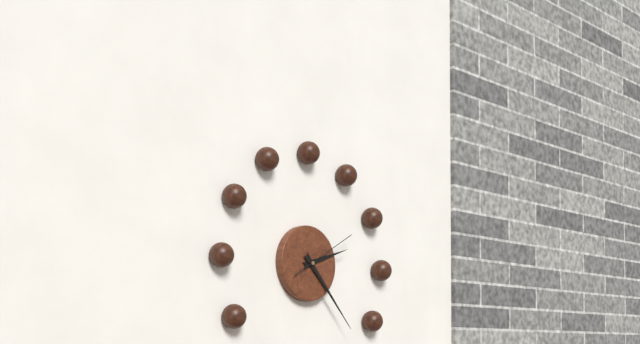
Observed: 2 h 23 min 10 s
